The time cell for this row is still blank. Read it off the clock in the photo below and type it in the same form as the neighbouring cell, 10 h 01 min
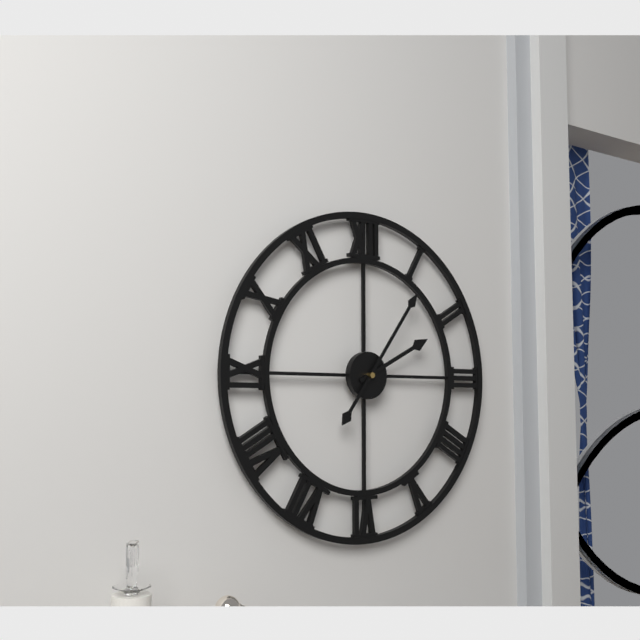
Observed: 2 h 06 min
